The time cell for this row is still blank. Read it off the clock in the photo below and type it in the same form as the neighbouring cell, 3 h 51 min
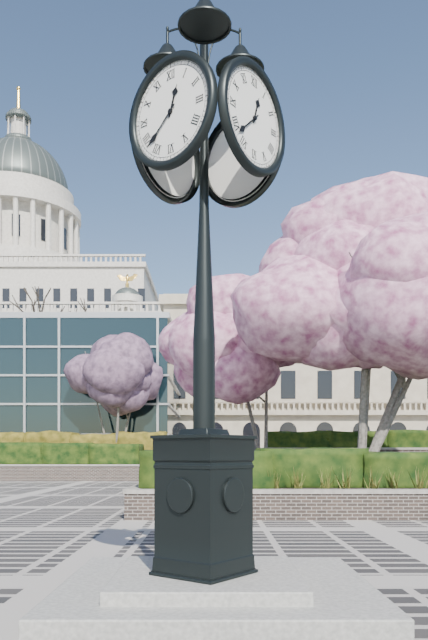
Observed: 12 h 38 min
